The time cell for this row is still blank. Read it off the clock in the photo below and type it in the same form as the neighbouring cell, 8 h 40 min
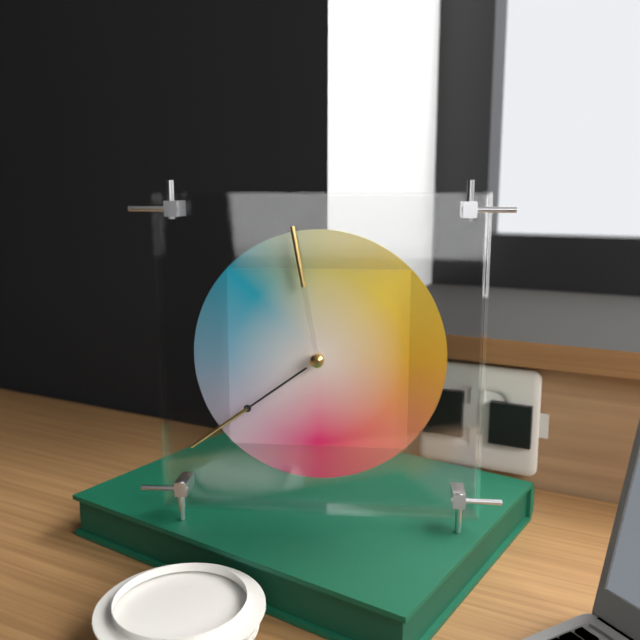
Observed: 11 h 39 min
